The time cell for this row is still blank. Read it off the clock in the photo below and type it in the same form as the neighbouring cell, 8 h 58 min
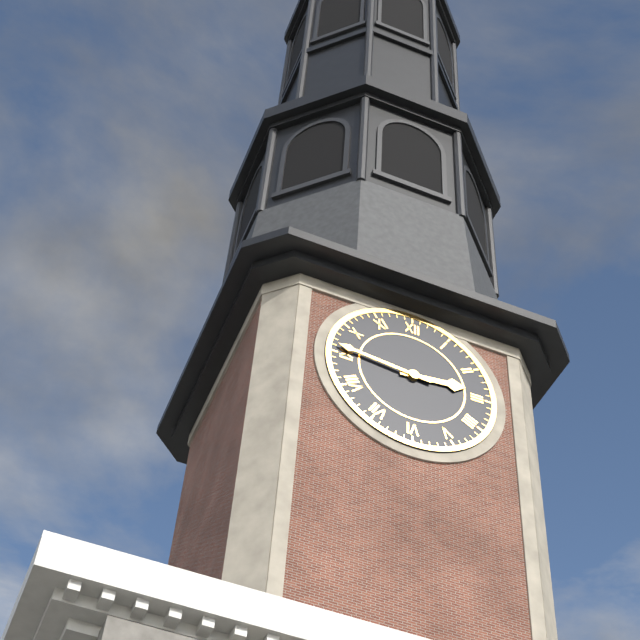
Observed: 2 h 46 min
